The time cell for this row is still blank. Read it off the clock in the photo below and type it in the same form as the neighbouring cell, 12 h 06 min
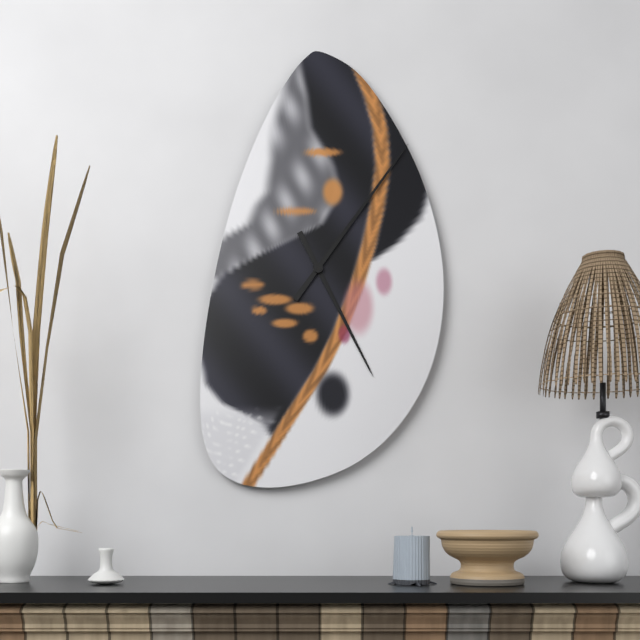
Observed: 5 h 06 min
